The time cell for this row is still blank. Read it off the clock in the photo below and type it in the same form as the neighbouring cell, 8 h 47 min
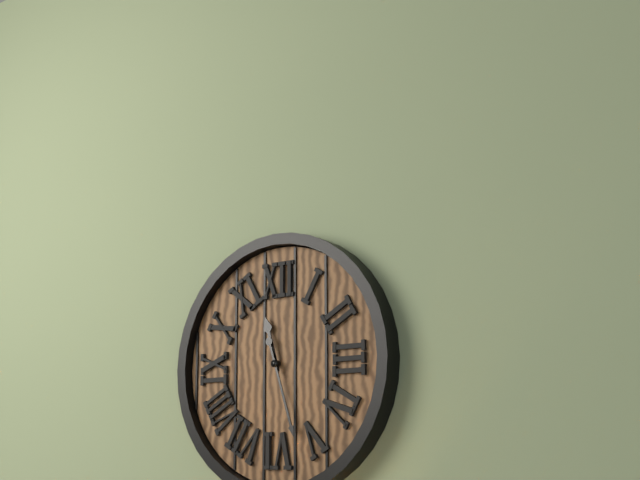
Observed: 11 h 27 min
